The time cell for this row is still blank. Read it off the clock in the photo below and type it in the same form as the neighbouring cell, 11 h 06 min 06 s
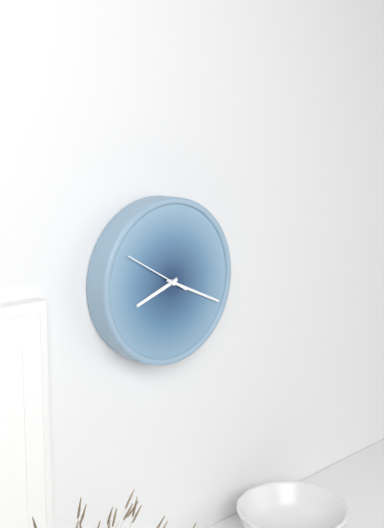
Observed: 8 h 19 min 50 s
